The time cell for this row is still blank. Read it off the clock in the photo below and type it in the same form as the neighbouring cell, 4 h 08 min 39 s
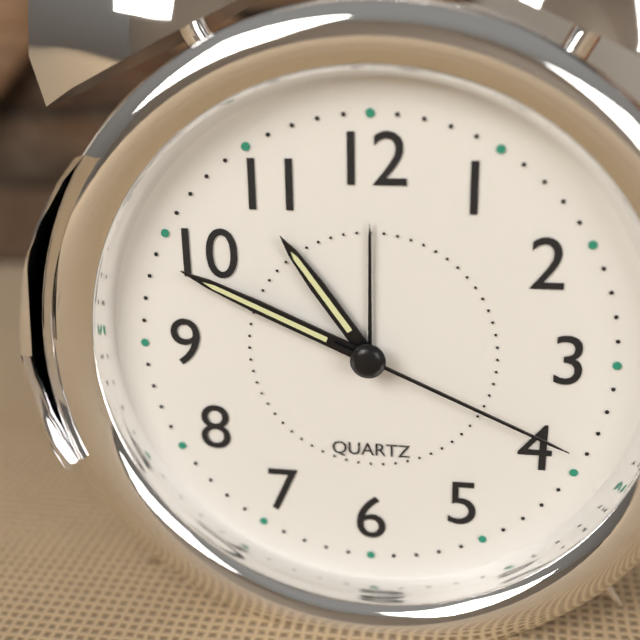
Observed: 10 h 49 min 19 s
